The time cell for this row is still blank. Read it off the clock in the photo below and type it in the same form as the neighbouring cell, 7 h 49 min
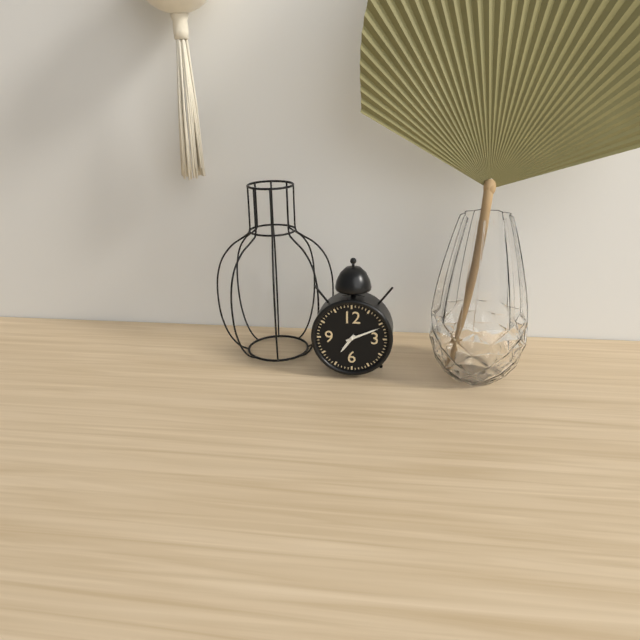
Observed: 7 h 11 min
